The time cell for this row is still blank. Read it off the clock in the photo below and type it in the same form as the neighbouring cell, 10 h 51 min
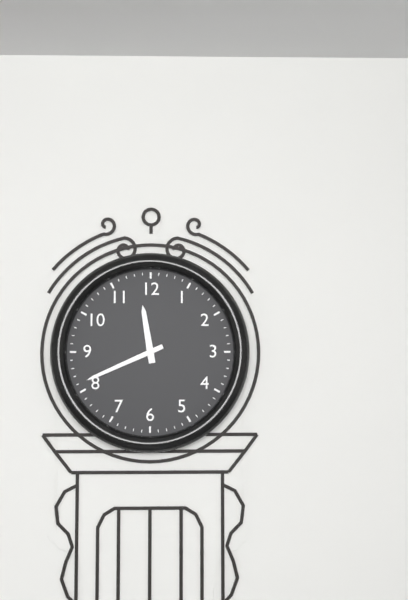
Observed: 11 h 41 min
